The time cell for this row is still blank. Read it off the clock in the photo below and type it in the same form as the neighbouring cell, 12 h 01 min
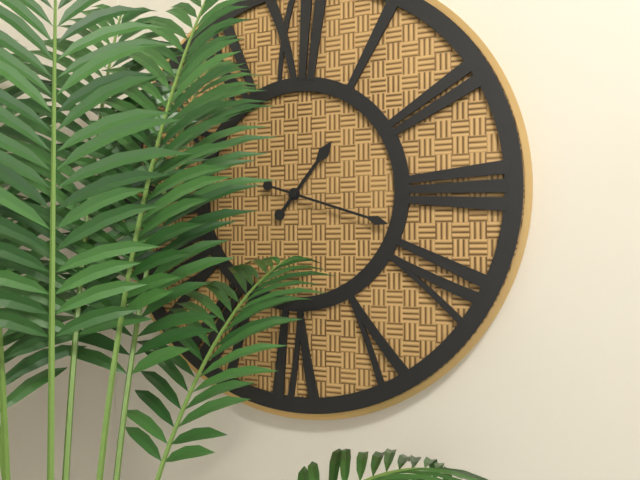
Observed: 1 h 18 min
